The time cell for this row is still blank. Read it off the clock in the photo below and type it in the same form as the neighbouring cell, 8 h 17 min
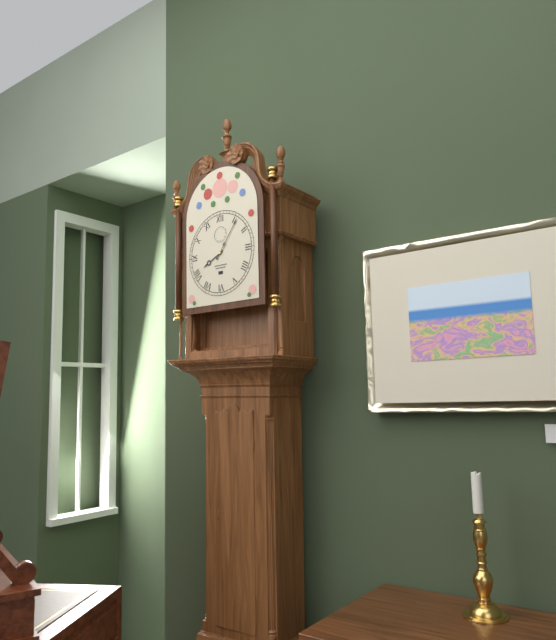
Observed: 8 h 06 min
